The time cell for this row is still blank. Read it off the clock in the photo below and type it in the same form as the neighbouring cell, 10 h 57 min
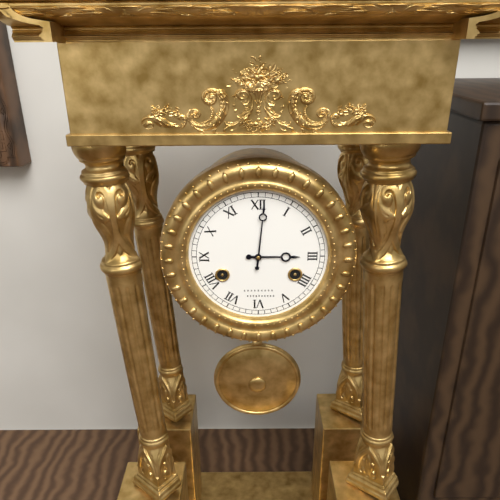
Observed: 3 h 01 min
